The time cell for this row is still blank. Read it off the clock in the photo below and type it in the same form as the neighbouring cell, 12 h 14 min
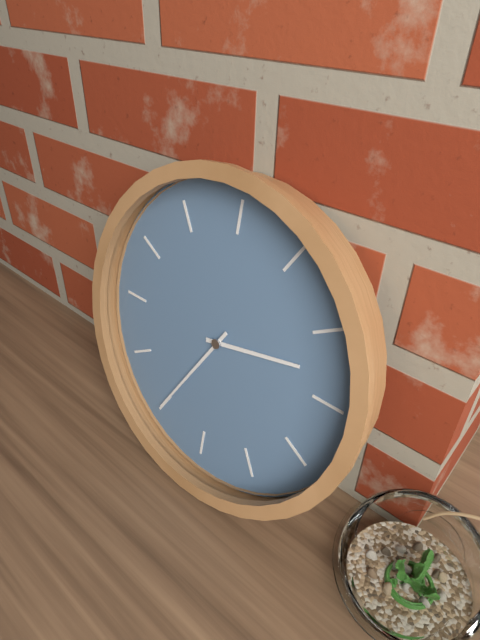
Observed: 2 h 35 min
